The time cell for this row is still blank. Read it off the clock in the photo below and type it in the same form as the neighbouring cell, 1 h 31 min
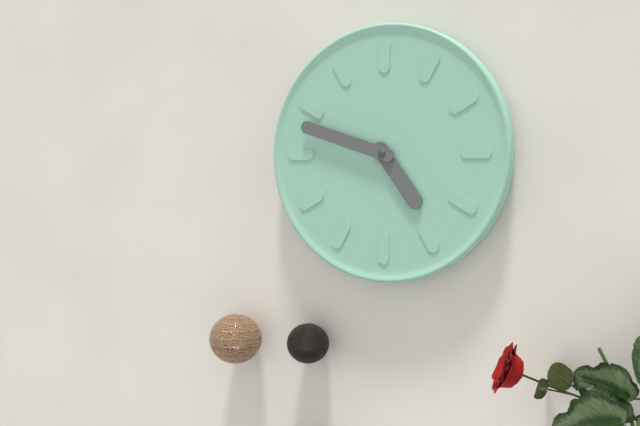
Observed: 4 h 48 min
